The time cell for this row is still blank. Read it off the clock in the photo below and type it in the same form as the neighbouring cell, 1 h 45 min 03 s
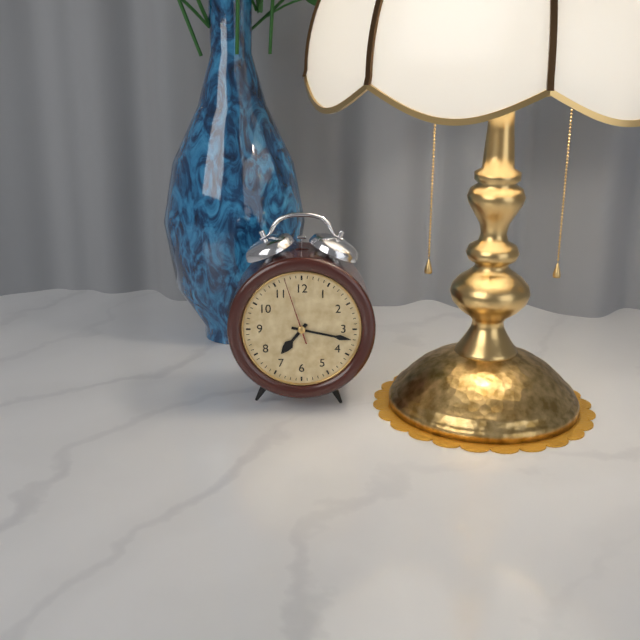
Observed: 7 h 17 min 57 s
